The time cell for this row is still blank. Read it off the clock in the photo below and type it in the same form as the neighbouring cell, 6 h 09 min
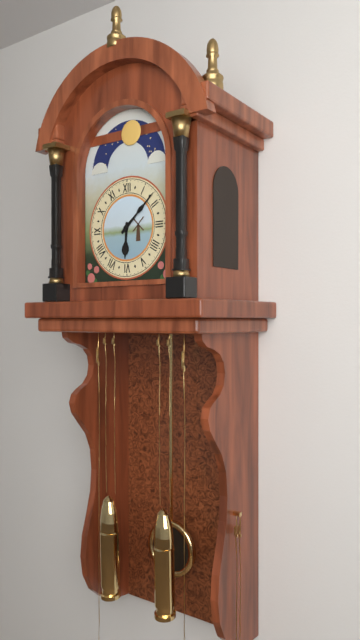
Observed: 6 h 08 min
